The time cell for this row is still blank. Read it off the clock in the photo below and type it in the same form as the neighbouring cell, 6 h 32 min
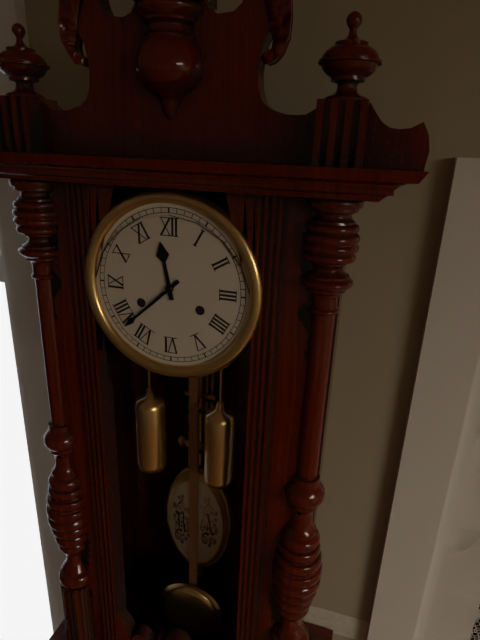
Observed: 11 h 38 min
